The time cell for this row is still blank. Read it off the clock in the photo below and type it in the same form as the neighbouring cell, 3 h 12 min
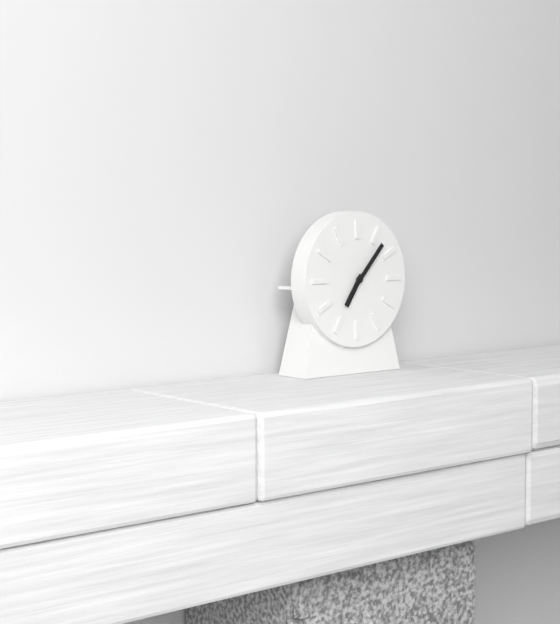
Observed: 7 h 07 min
